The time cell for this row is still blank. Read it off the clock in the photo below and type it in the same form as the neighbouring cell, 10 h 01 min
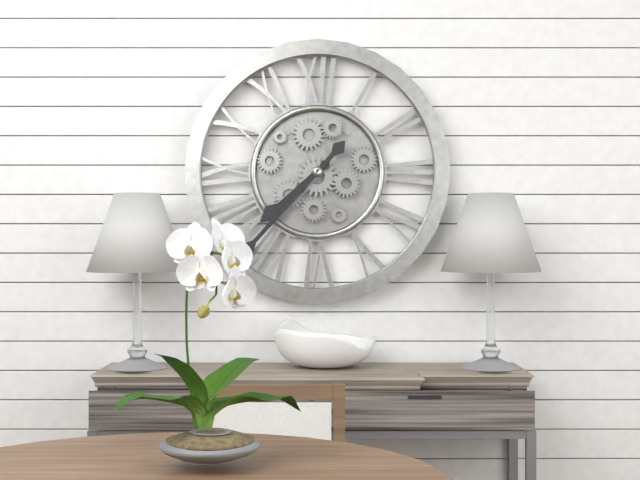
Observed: 7 h 37 min
